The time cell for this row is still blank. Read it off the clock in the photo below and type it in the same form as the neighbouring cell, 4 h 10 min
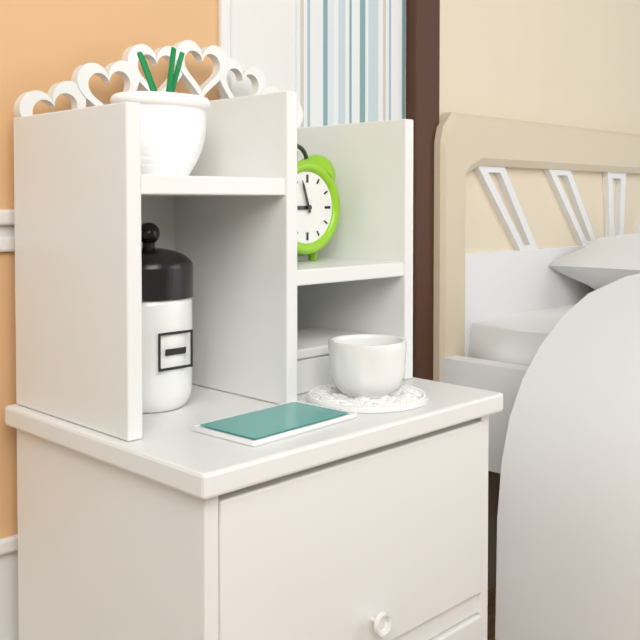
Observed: 8 h 57 min
